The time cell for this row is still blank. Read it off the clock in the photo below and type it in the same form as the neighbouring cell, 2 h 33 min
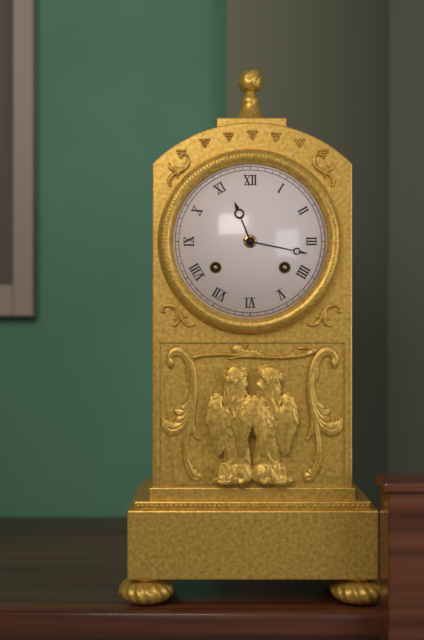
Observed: 11 h 17 min
